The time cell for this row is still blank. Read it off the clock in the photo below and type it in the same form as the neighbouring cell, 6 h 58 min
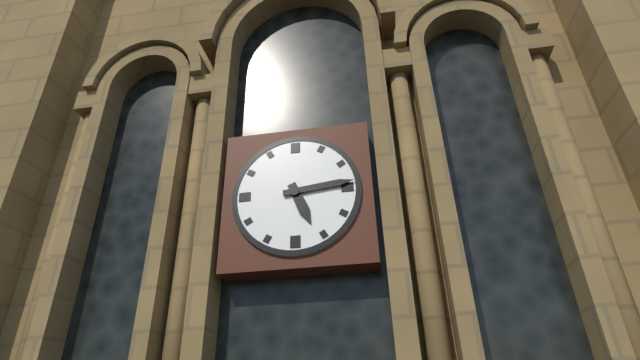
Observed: 5 h 14 min
